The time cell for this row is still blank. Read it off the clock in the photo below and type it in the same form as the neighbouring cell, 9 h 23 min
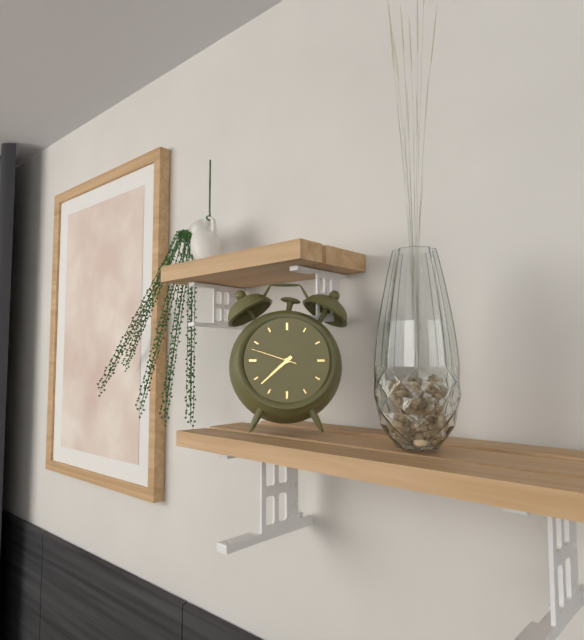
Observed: 7 h 38 min
